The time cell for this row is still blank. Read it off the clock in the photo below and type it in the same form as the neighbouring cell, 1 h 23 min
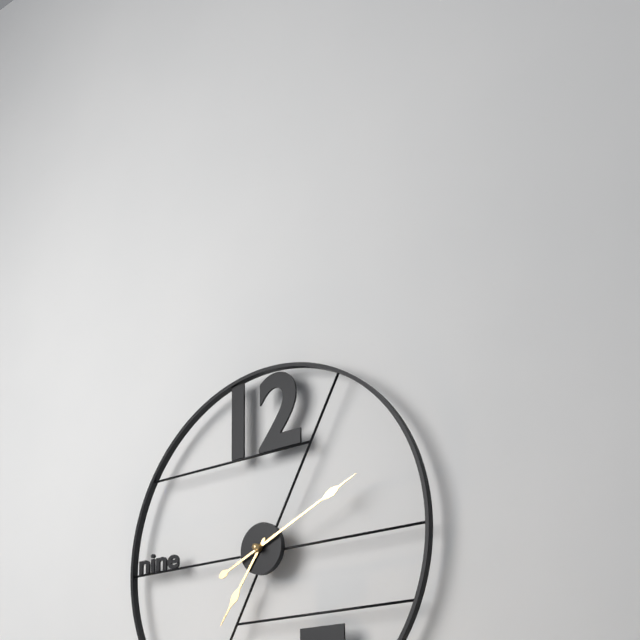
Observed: 7 h 11 min
